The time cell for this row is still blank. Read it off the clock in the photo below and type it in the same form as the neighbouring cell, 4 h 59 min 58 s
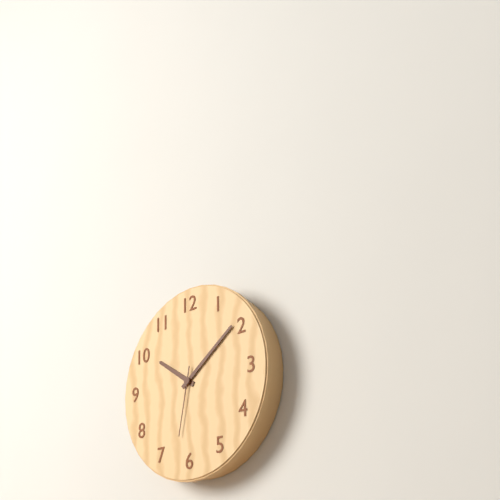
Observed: 10 h 09 min 32 s
